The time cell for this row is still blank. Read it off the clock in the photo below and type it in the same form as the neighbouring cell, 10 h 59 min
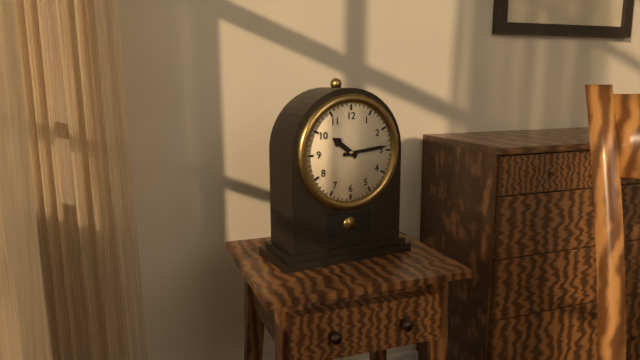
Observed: 10 h 14 min
